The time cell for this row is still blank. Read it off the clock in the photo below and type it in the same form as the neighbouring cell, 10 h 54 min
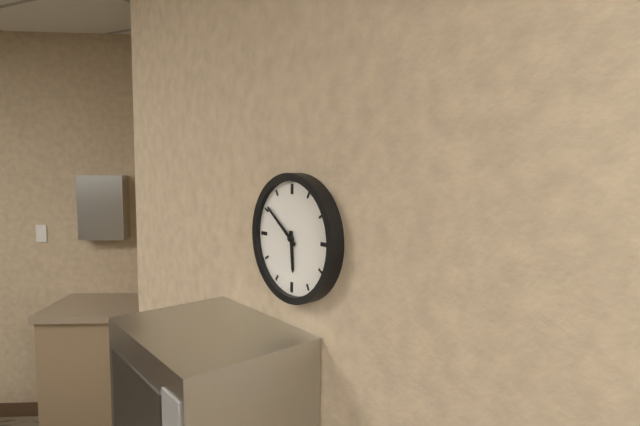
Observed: 5 h 51 min
